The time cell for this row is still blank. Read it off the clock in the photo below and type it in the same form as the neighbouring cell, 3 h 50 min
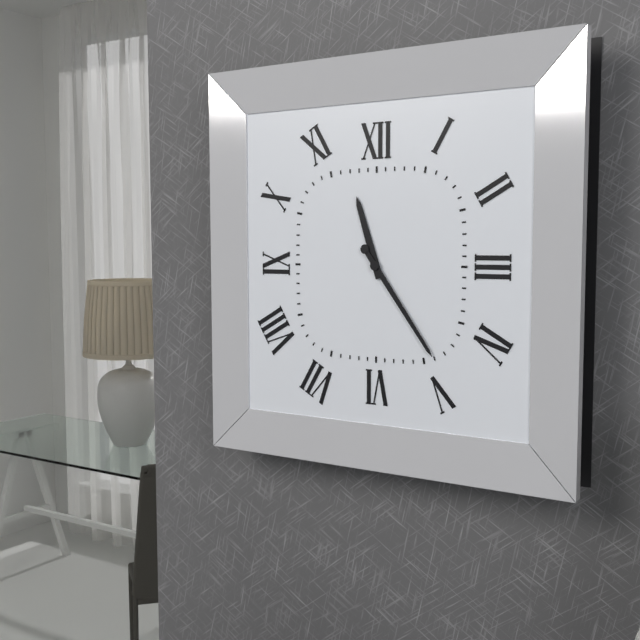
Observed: 11 h 24 min
